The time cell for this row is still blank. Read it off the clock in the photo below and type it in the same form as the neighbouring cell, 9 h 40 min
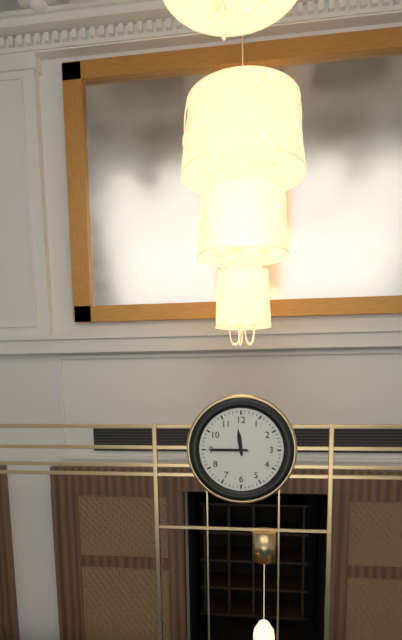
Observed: 11 h 45 min
